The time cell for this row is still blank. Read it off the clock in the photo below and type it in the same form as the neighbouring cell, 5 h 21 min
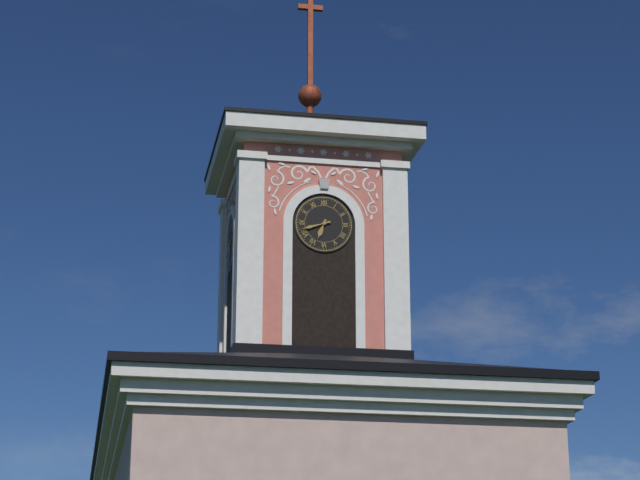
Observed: 6 h 42 min
